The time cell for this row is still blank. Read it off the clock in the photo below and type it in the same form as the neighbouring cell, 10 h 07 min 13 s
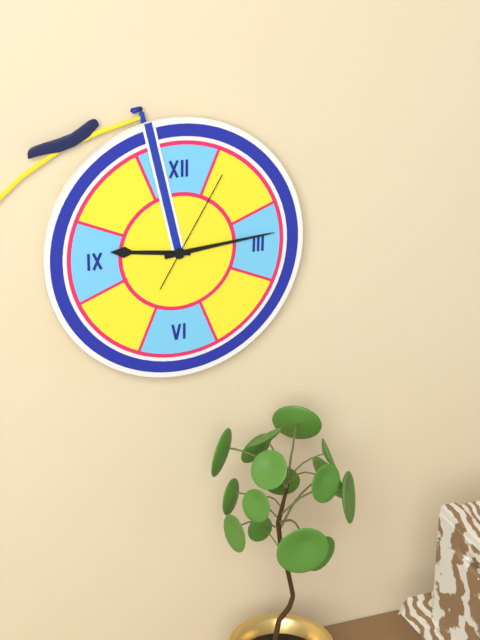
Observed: 9 h 14 min 05 s
